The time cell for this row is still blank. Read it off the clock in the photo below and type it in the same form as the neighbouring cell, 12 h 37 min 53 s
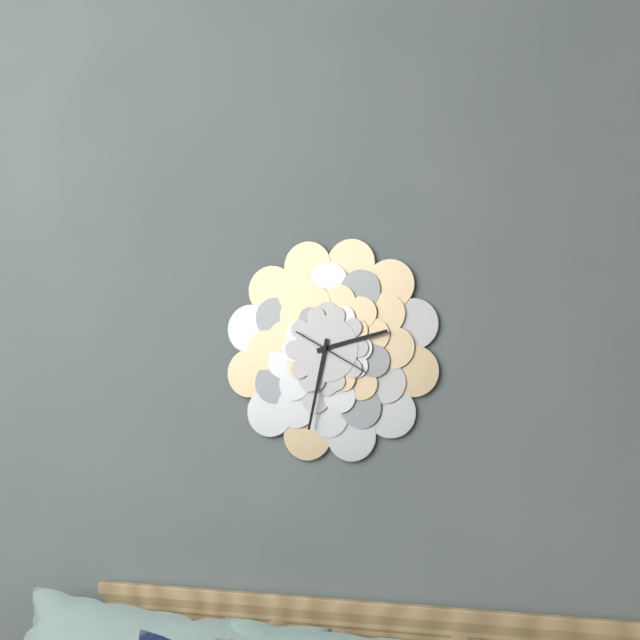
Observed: 2 h 32 min 20 s
